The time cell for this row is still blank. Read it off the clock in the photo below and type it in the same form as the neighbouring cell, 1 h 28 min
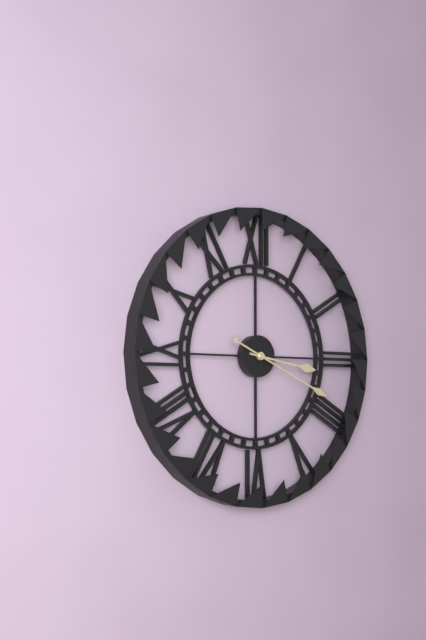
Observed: 3 h 19 min
